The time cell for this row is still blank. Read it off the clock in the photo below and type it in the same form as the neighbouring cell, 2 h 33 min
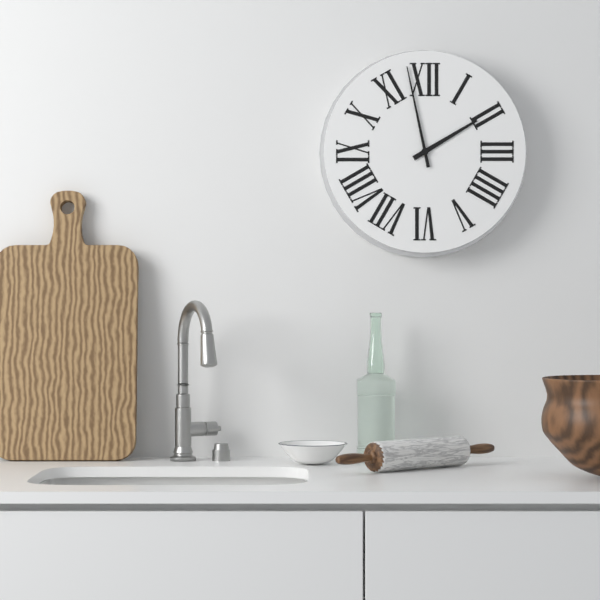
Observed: 1 h 58 min
